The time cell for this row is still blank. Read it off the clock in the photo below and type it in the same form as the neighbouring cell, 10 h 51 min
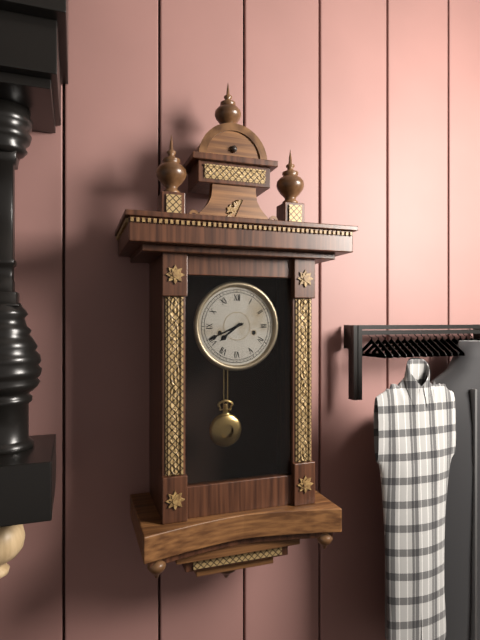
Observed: 7 h 41 min
